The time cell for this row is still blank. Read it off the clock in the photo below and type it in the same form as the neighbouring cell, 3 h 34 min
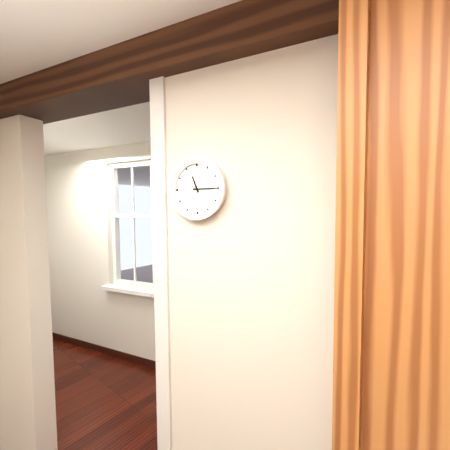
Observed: 11 h 15 min
